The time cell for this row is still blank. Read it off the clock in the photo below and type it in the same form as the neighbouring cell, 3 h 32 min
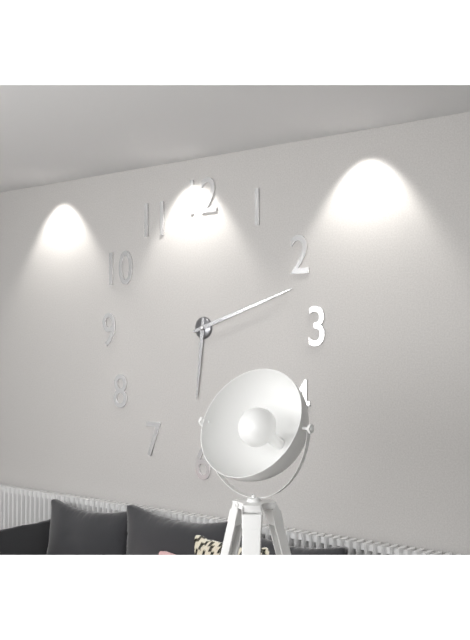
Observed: 6 h 12 min
